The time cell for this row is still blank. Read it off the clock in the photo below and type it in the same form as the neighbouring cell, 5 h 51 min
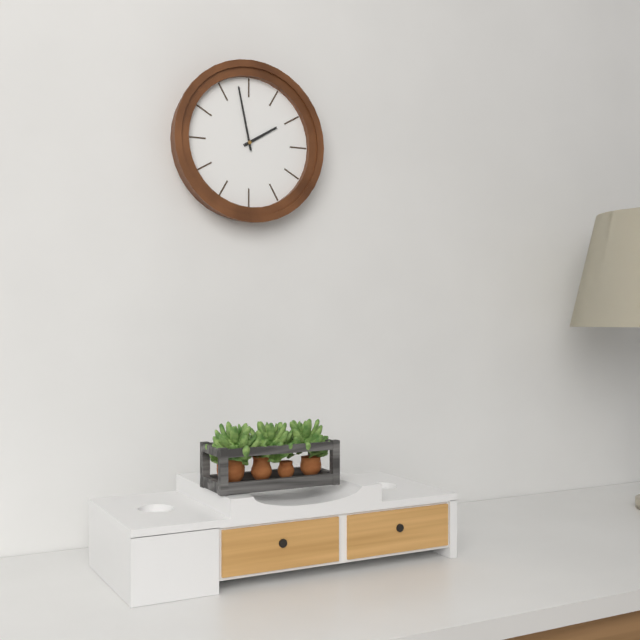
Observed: 1 h 58 min
